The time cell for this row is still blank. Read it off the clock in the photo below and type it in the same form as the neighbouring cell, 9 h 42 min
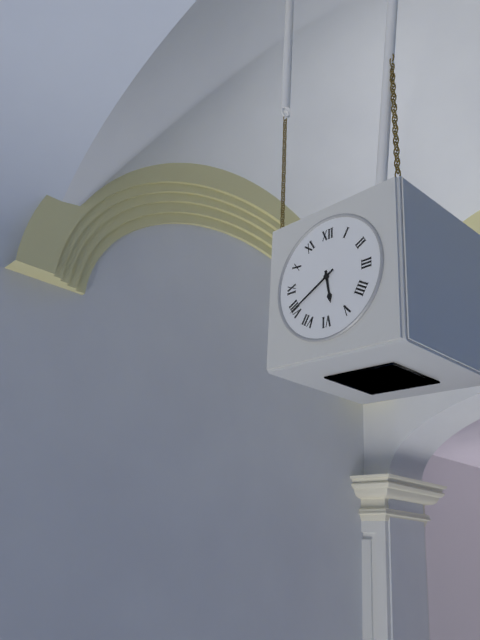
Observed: 5 h 40 min
